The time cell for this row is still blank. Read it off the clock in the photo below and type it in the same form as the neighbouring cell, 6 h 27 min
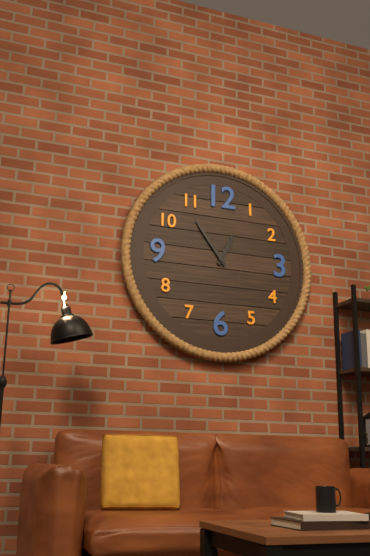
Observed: 12 h 54 min
